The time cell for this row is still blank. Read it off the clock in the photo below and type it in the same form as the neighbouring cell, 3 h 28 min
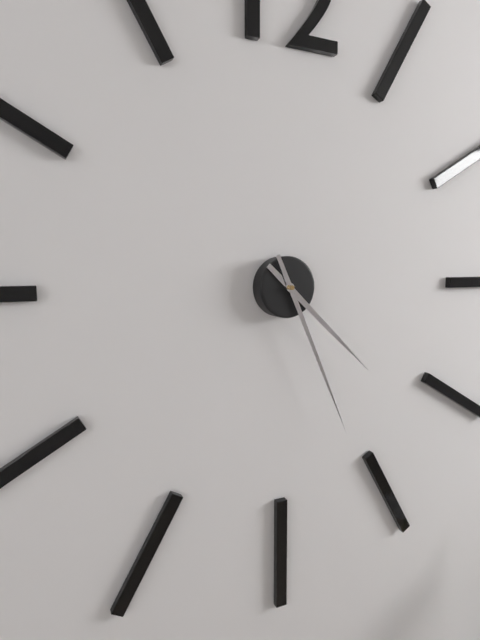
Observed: 4 h 26 min
